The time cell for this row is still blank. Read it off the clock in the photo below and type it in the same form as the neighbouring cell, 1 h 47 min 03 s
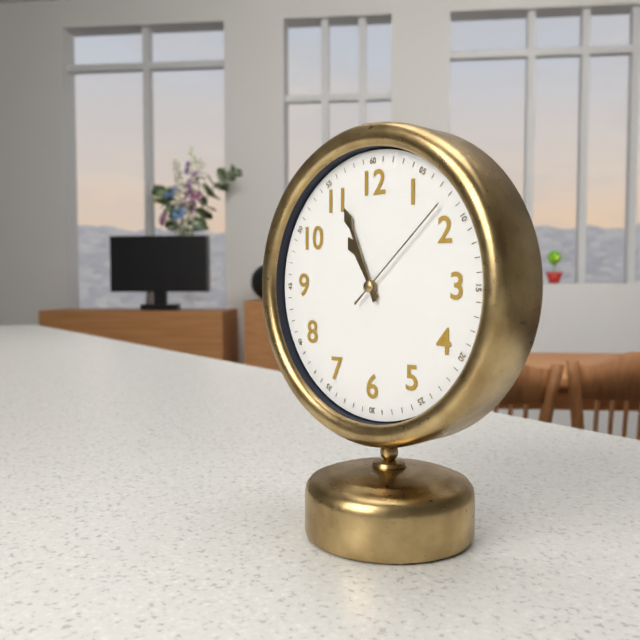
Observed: 10 h 56 min 08 s
